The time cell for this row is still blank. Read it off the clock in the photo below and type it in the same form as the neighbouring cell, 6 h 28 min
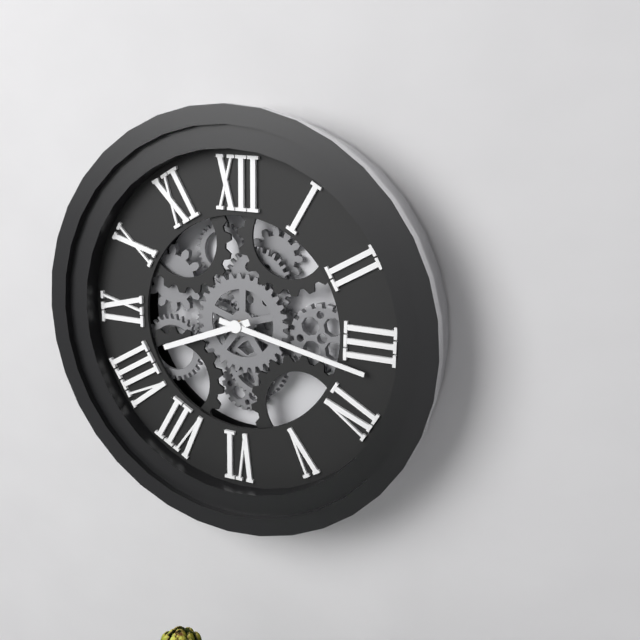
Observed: 8 h 17 min
